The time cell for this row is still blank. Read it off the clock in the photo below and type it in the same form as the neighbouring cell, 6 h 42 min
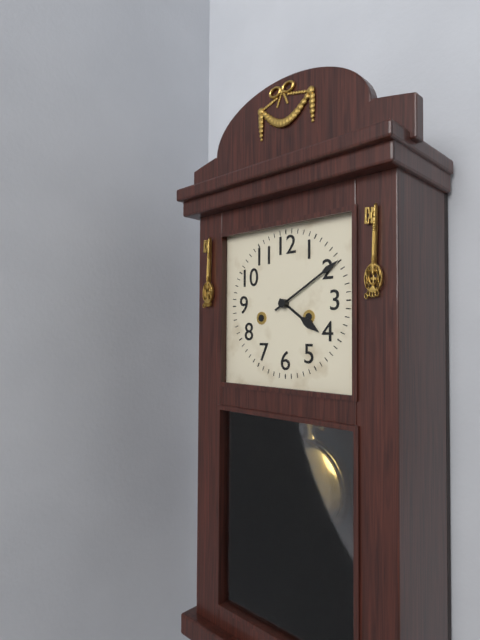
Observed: 4 h 10 min
